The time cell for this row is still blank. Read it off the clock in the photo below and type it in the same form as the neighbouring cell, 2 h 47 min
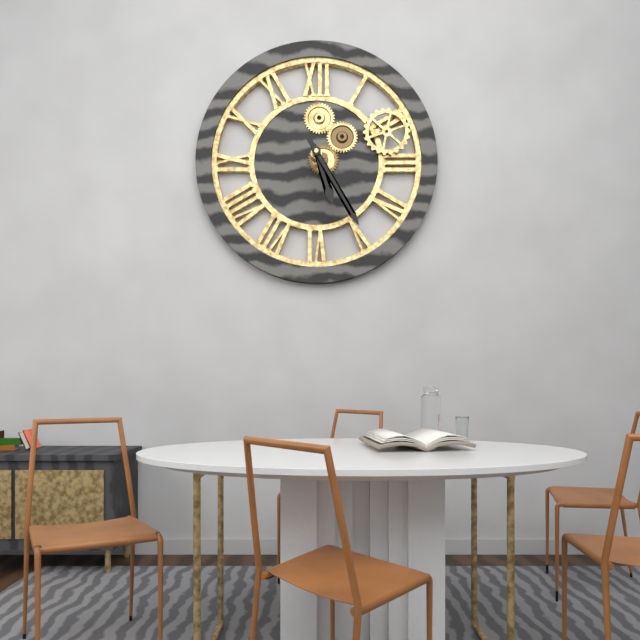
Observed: 5 h 25 min
